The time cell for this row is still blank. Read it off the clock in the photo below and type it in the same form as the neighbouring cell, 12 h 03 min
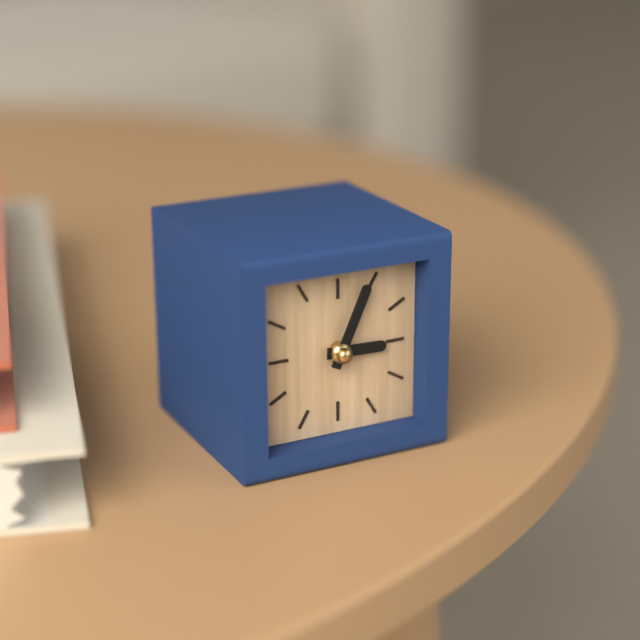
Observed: 3 h 04 min
